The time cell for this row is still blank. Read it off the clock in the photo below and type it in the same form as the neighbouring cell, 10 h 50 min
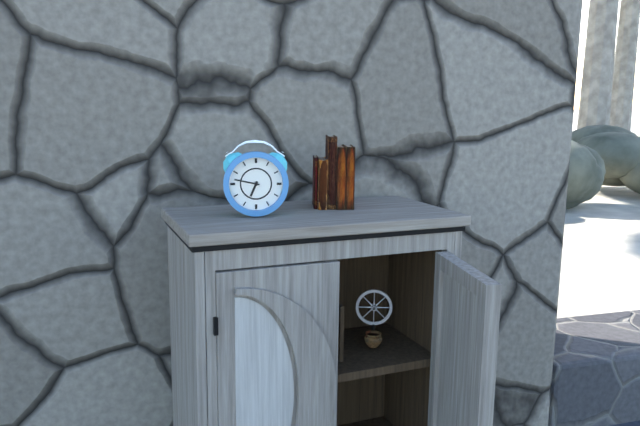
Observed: 6 h 47 min
